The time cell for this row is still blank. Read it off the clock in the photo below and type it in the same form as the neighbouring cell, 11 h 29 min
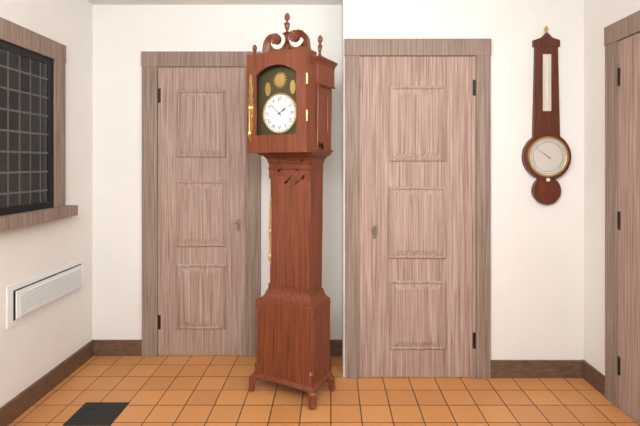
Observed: 1 h 52 min
